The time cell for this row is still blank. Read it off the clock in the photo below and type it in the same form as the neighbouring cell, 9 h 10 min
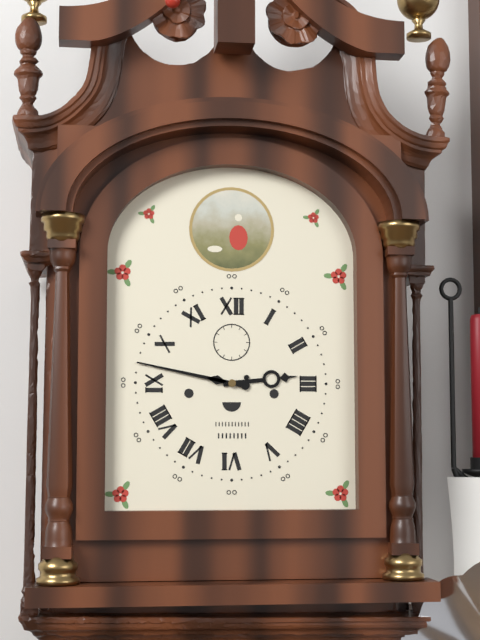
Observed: 2 h 47 min
